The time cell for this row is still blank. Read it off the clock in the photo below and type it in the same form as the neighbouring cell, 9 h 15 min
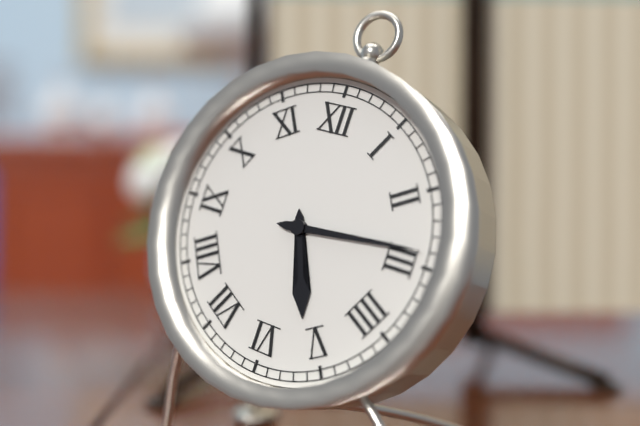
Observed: 5 h 14 min
